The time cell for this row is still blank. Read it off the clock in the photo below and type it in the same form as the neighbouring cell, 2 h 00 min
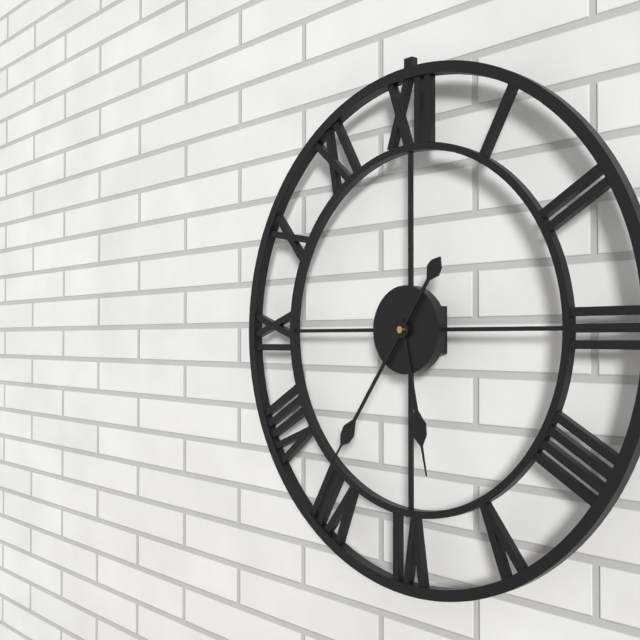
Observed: 5 h 36 min
